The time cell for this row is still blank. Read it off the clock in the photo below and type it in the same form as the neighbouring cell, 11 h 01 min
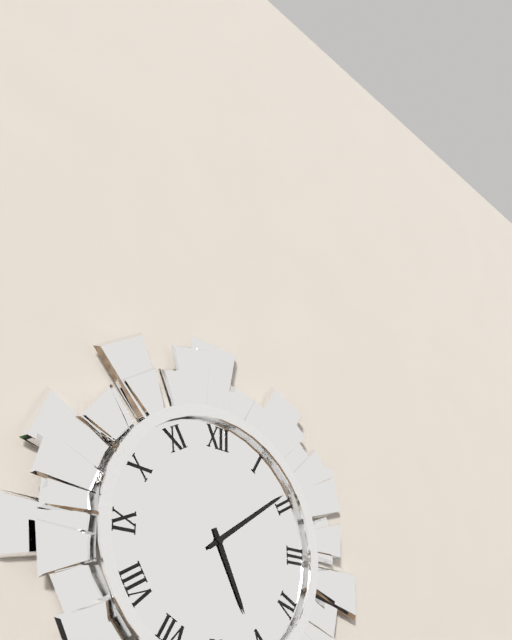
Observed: 5 h 09 min
